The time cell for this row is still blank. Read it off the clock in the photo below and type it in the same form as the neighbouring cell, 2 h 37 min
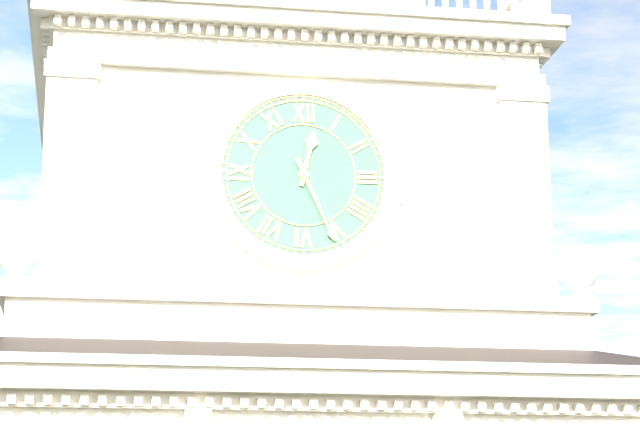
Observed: 12 h 26 min
